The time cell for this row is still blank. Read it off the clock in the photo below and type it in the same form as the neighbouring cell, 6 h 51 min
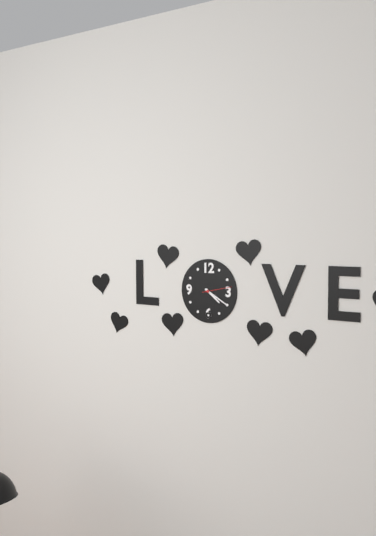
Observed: 4 h 20 min
